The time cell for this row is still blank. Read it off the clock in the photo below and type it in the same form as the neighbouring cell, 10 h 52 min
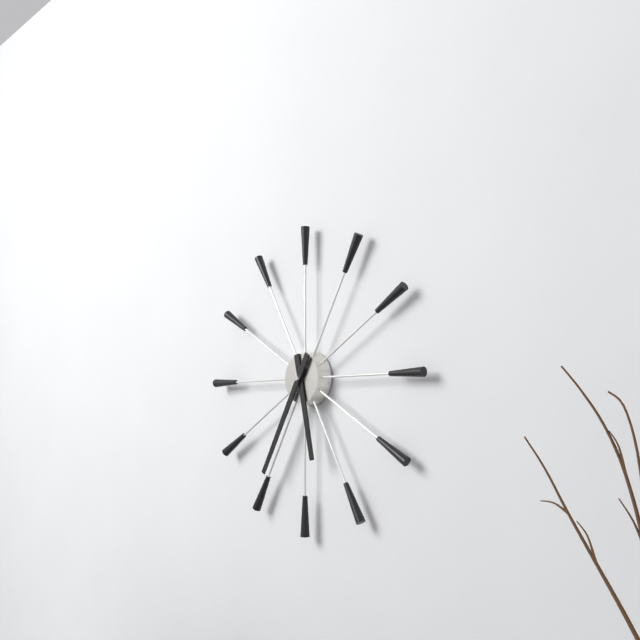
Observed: 5 h 35 min
